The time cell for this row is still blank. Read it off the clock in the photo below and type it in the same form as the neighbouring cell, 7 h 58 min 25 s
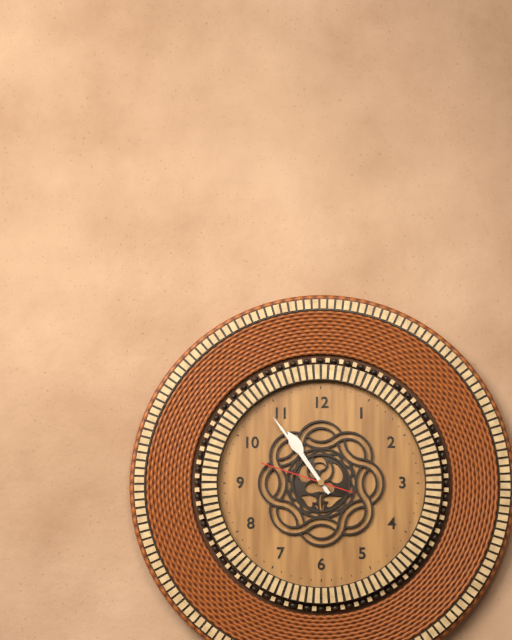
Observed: 10 h 54 min 48 s
